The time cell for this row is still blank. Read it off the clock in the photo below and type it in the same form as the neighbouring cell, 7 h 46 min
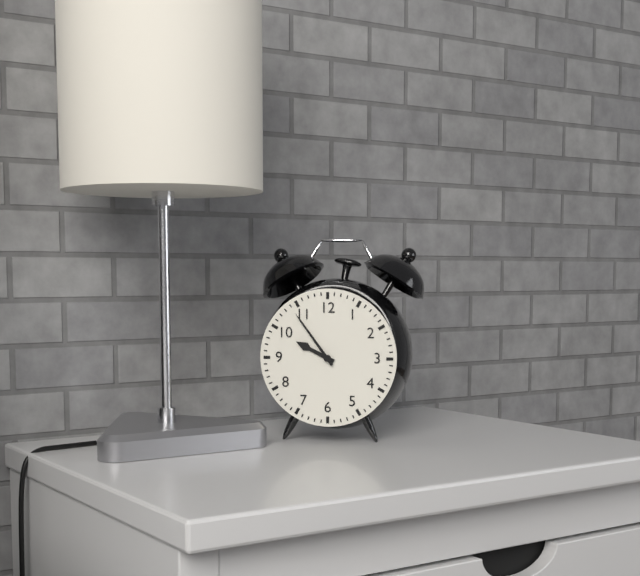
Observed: 9 h 54 min
